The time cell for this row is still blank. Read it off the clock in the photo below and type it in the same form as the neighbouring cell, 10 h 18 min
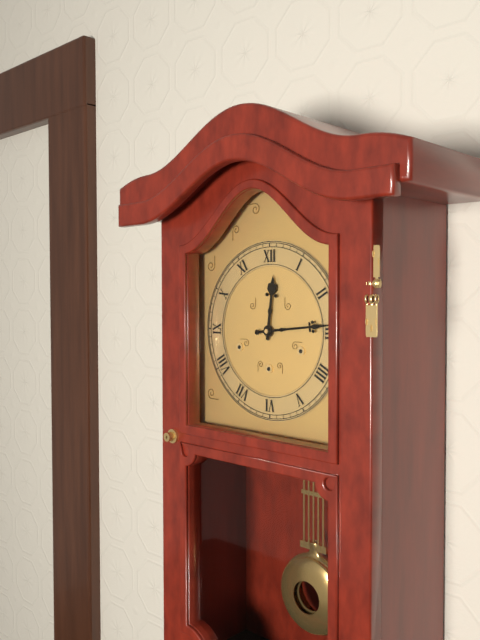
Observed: 12 h 14 min
